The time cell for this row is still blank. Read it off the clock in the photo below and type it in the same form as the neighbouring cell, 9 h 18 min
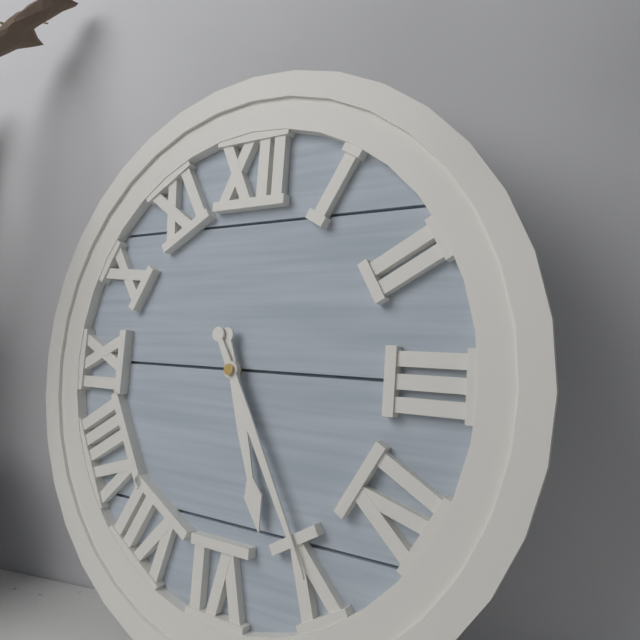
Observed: 5 h 25 min
